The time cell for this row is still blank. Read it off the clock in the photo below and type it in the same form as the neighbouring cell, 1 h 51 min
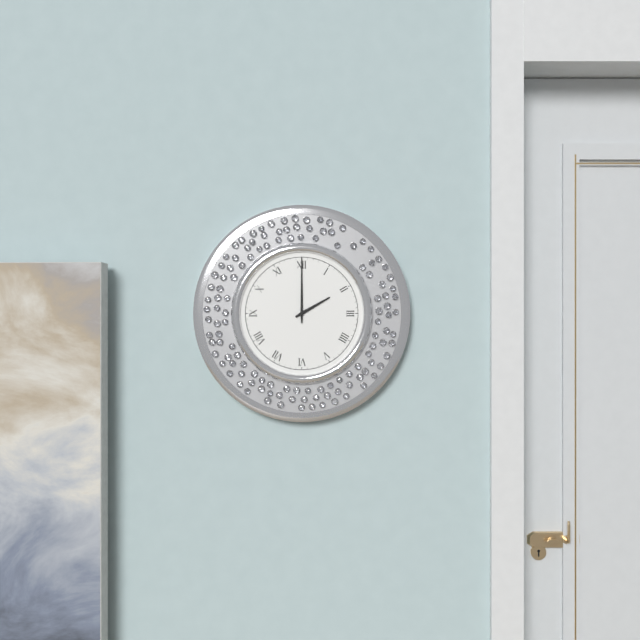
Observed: 2 h 00 min
